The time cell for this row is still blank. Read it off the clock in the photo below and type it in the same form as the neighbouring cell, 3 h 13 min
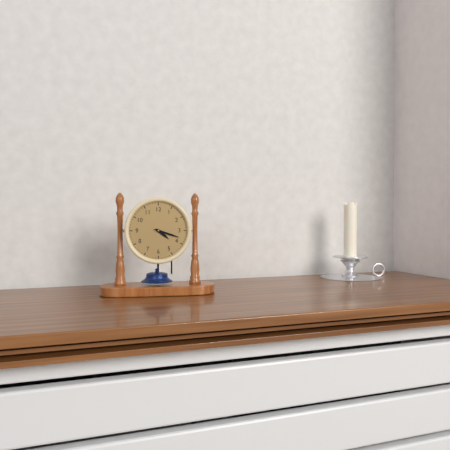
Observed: 4 h 18 min
